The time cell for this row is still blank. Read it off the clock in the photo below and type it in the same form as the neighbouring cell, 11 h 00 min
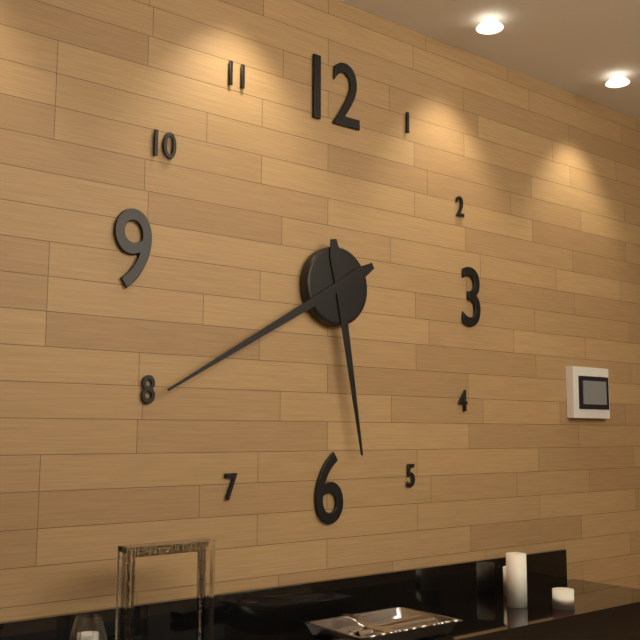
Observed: 5 h 40 min
